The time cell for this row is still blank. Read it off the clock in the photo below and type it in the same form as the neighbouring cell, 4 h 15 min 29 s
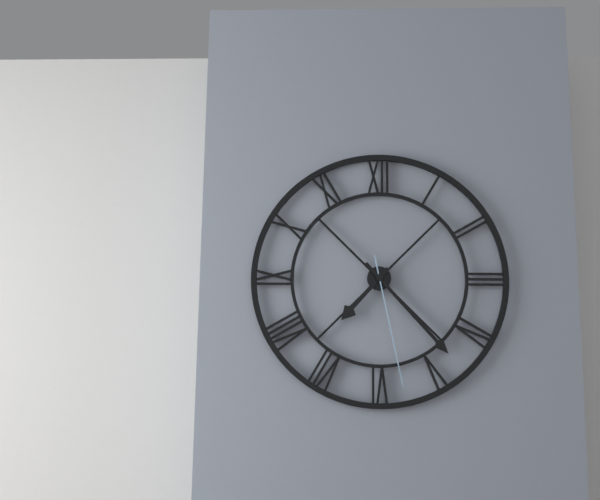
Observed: 7 h 23 min 28 s
